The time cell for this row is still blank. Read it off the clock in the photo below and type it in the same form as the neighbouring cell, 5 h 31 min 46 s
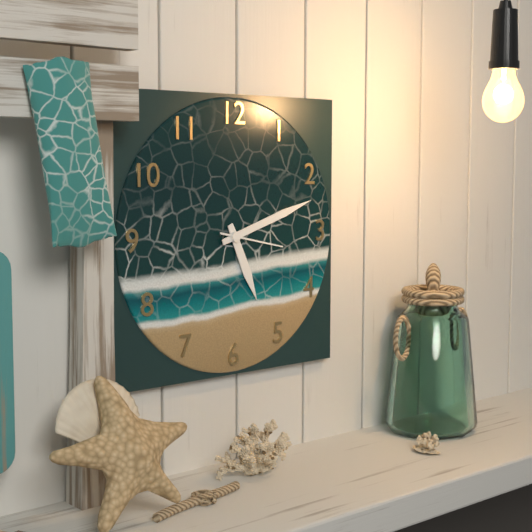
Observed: 5 h 12 min 17 s
